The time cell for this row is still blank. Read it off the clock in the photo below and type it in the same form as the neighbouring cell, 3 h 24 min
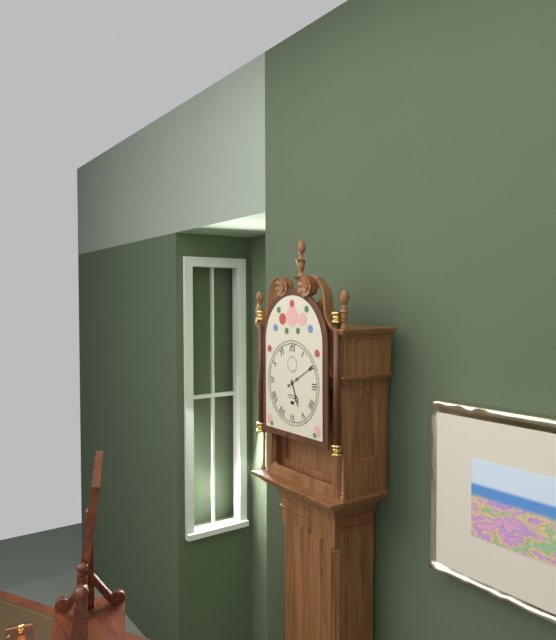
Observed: 5 h 10 min
